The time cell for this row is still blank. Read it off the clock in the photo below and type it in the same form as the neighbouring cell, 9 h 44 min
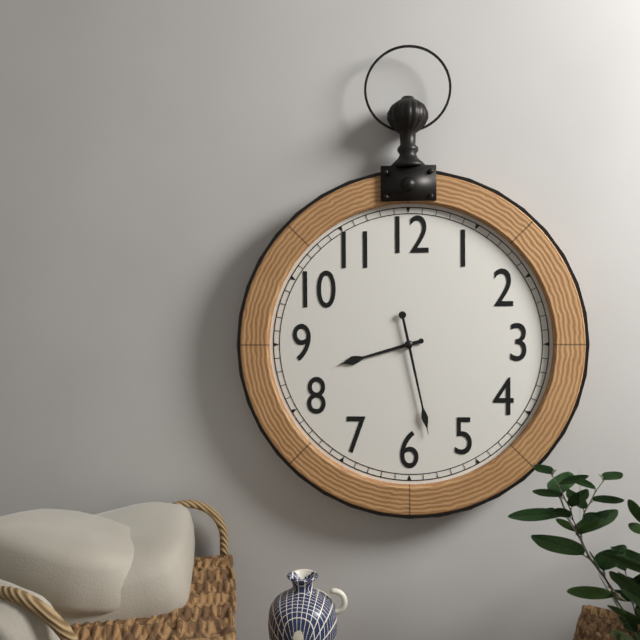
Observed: 8 h 28 min
